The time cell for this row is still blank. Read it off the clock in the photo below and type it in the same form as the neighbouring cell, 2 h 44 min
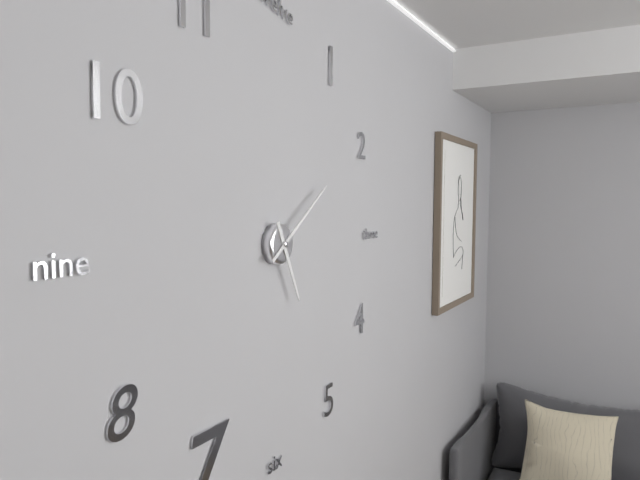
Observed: 5 h 09 min
